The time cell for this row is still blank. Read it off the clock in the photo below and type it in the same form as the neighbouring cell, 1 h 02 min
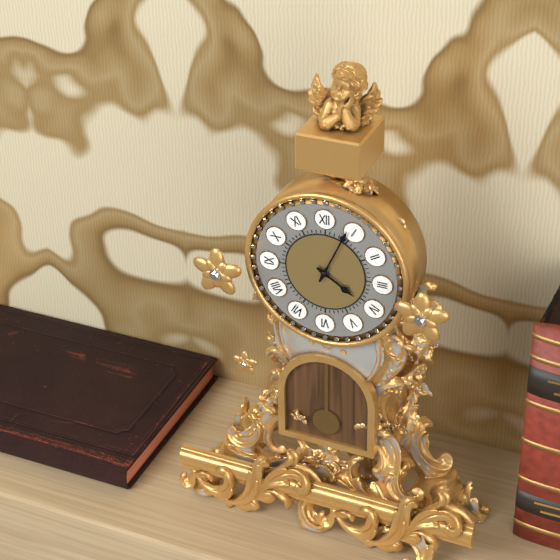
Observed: 4 h 04 min
